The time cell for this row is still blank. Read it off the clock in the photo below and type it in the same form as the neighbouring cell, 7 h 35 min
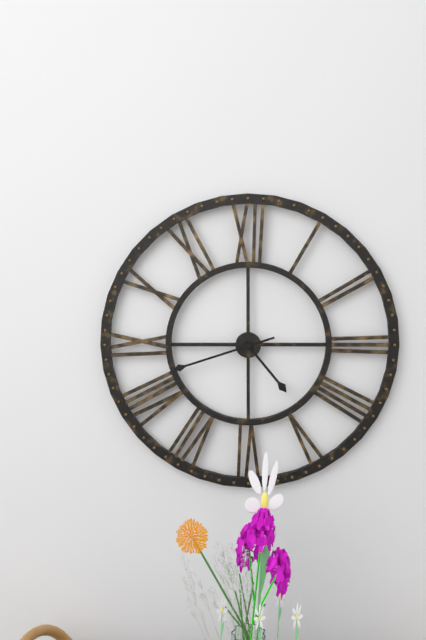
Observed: 4 h 42 min
